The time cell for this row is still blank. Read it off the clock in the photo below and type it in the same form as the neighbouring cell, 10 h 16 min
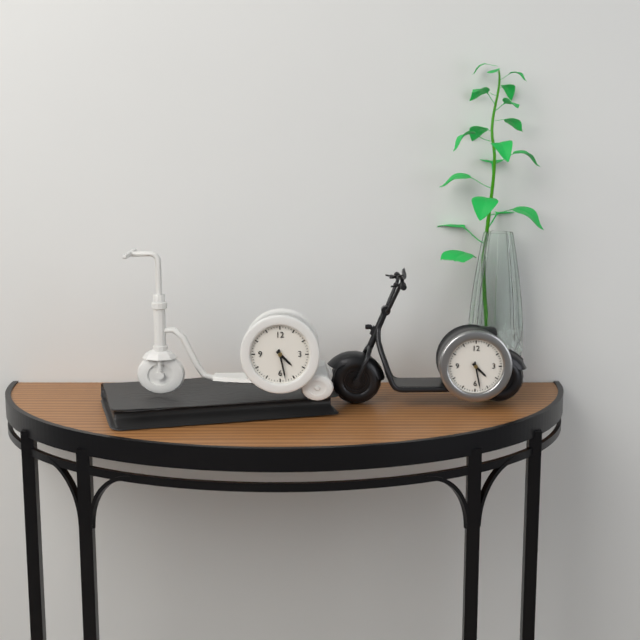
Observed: 4 h 28 min
